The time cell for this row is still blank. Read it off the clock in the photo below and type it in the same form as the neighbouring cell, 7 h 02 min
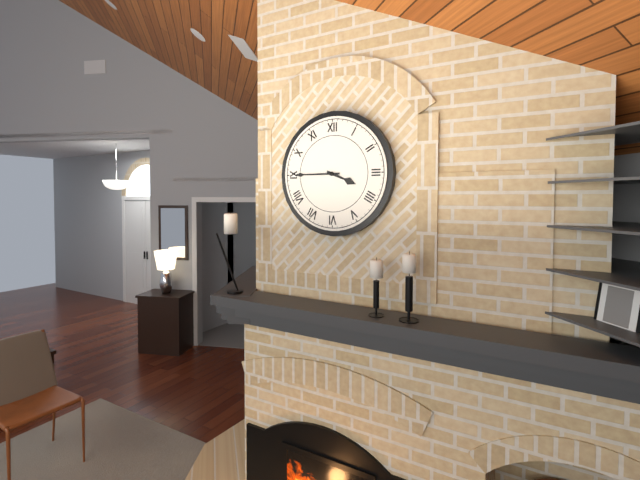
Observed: 3 h 45 min
